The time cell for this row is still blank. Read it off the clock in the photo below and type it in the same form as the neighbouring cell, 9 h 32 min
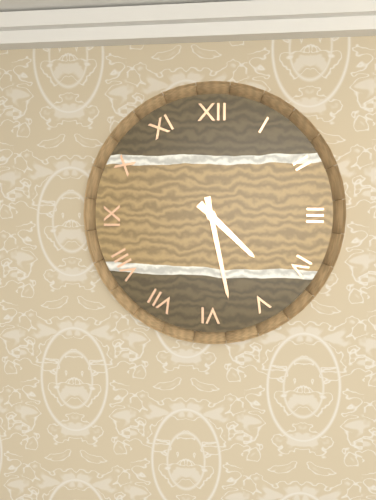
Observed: 4 h 28 min
